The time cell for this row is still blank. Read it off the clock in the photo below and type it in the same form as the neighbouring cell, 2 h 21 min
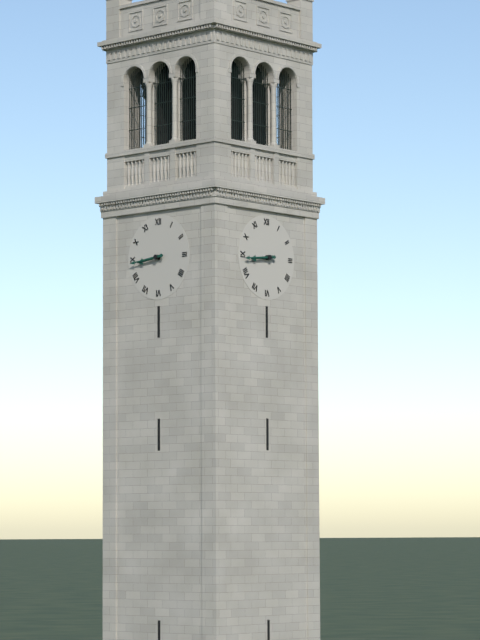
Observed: 8 h 44 min
